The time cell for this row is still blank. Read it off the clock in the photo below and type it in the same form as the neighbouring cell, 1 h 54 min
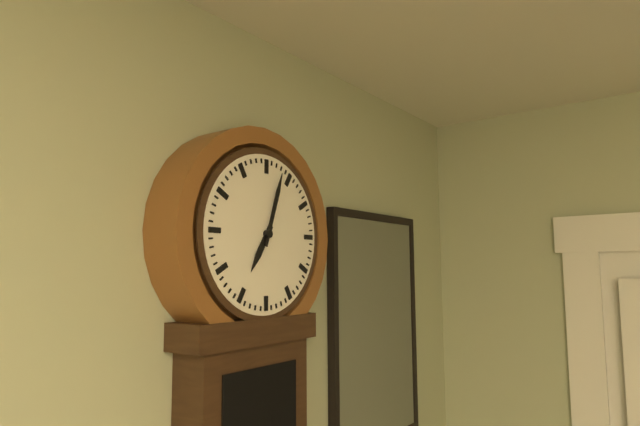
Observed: 7 h 03 min
